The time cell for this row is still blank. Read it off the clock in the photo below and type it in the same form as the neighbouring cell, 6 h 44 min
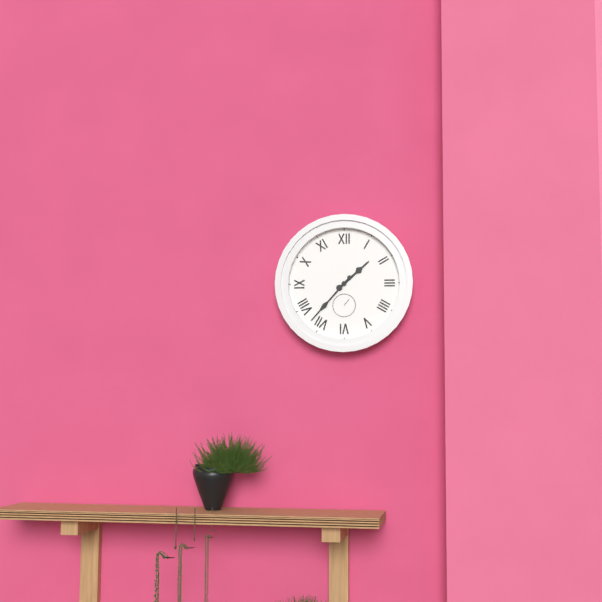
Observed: 1 h 37 min
